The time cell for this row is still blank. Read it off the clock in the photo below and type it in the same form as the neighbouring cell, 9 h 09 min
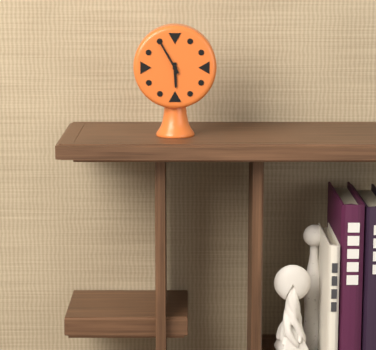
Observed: 5 h 55 min
